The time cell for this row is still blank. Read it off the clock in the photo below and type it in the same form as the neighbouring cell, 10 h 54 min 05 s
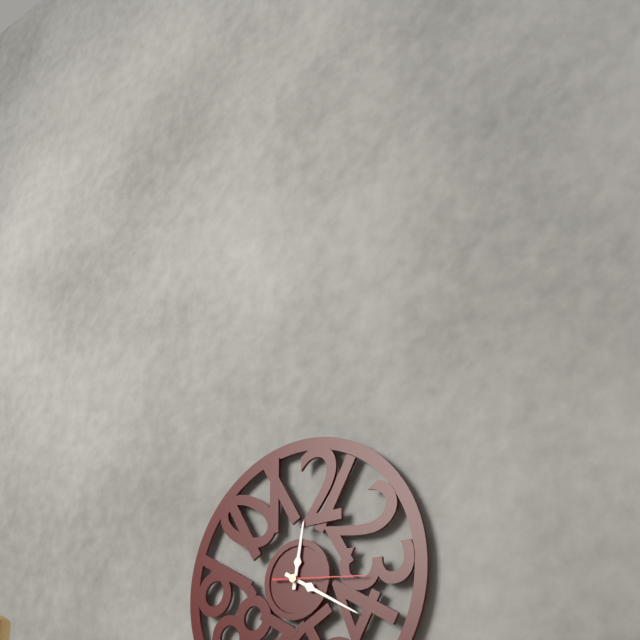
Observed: 12 h 20 min 16 s
